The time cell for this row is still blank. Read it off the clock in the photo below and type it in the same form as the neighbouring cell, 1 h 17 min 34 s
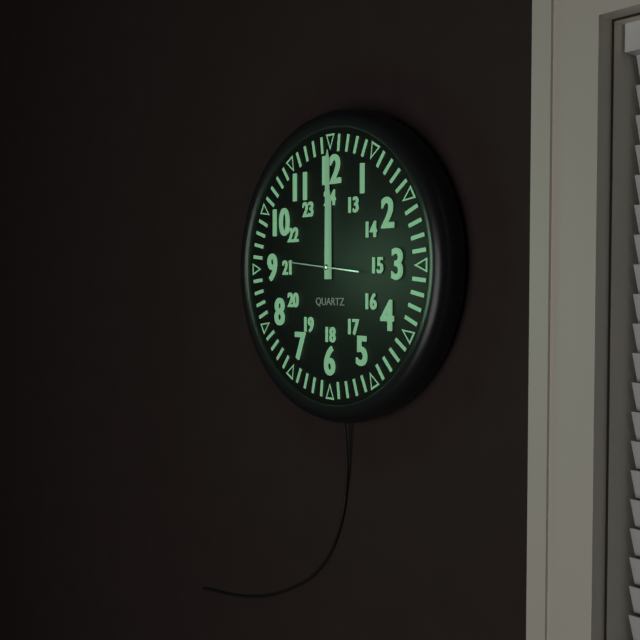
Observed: 12 h 00 min 46 s
